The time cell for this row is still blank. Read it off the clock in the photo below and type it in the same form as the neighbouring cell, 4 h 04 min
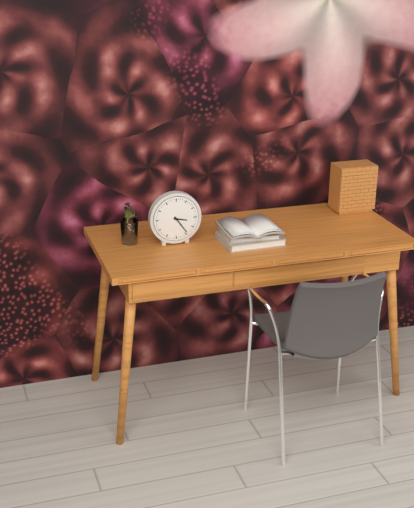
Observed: 3 h 24 min
